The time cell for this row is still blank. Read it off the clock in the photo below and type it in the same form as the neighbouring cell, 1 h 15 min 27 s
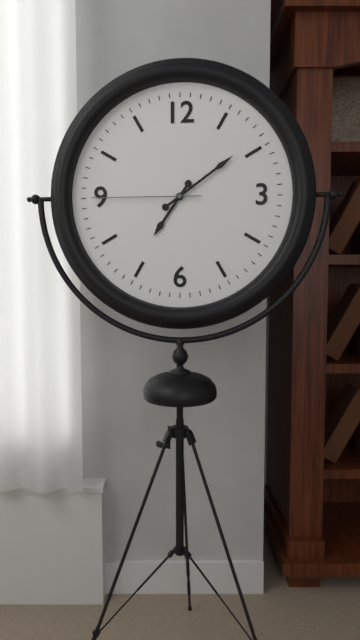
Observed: 7 h 09 min 45 s
